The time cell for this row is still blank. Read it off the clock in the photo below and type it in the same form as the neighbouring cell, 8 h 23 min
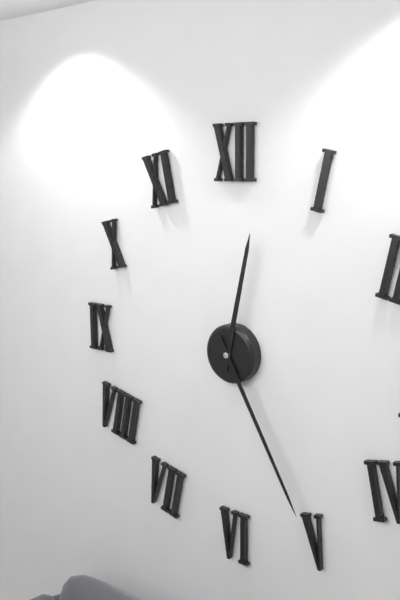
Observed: 12 h 25 min
